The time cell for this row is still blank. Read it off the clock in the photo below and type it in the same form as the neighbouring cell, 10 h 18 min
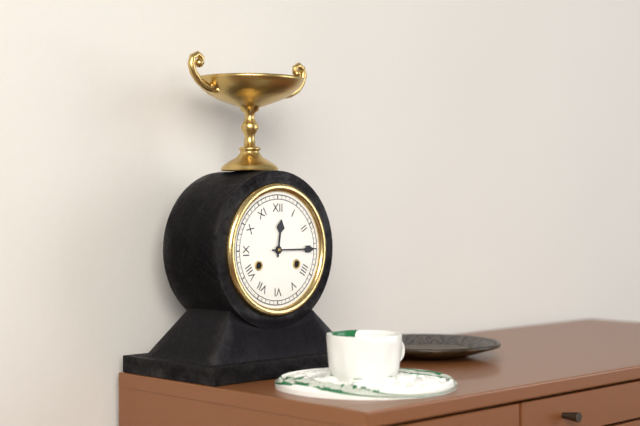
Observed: 12 h 15 min
